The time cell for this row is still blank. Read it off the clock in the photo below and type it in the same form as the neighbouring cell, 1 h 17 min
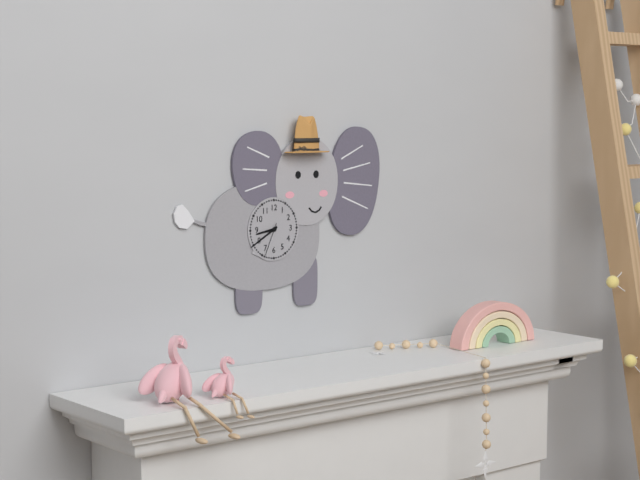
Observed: 8 h 40 min
